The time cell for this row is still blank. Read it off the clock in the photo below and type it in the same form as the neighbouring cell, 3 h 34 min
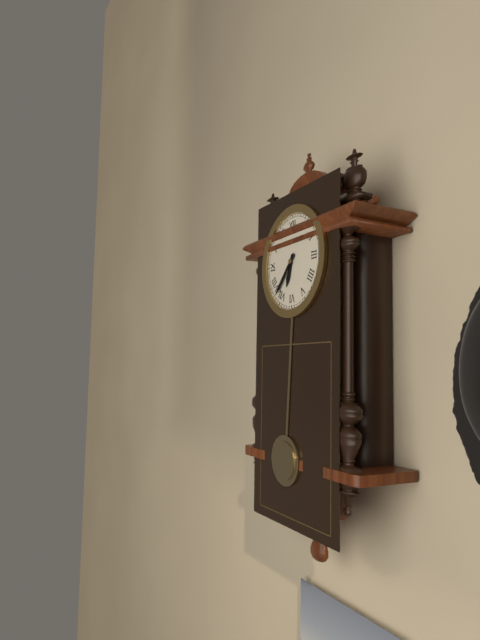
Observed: 6 h 37 min
